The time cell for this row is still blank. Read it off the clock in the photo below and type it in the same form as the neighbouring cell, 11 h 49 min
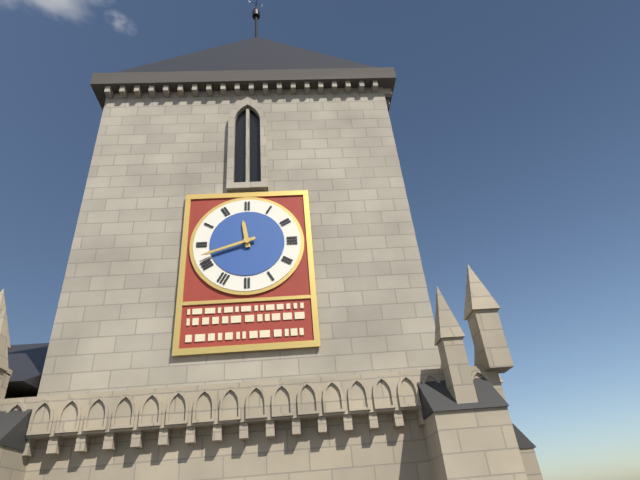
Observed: 11 h 42 min
